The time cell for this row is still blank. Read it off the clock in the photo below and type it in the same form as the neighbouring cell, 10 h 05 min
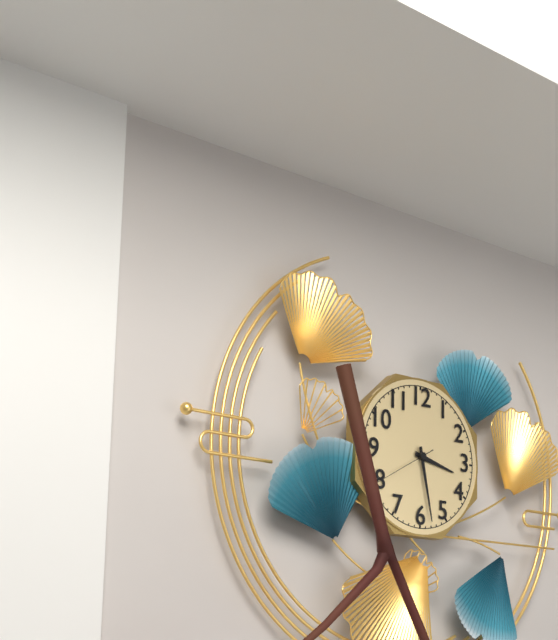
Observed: 3 h 28 min
